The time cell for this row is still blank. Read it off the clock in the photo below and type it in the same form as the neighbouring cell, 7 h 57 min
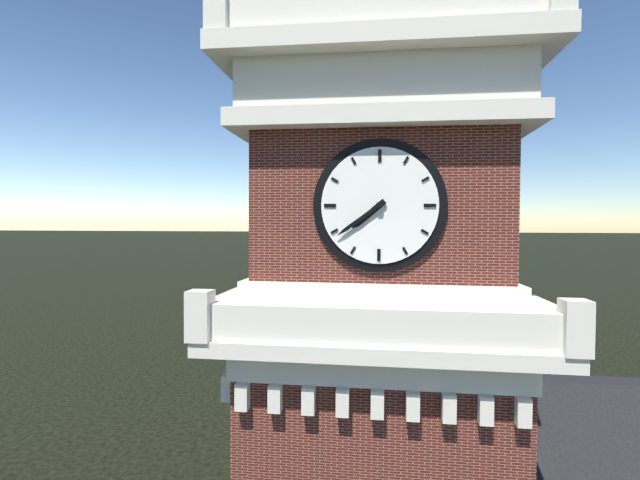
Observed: 7 h 39 min
